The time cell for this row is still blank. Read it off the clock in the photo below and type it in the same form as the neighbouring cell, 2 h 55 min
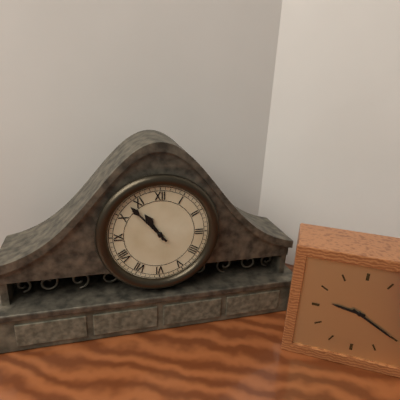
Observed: 10 h 53 min
